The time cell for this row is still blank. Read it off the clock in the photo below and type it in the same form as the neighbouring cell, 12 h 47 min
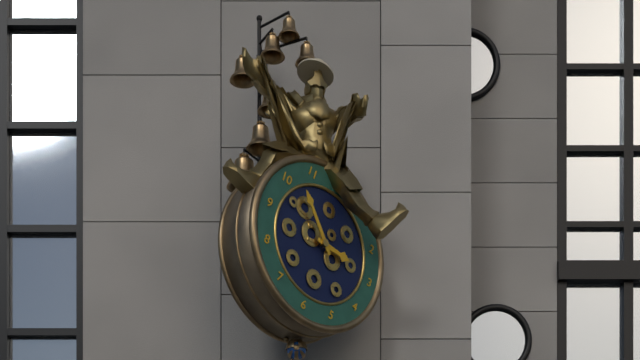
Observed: 2 h 52 min
